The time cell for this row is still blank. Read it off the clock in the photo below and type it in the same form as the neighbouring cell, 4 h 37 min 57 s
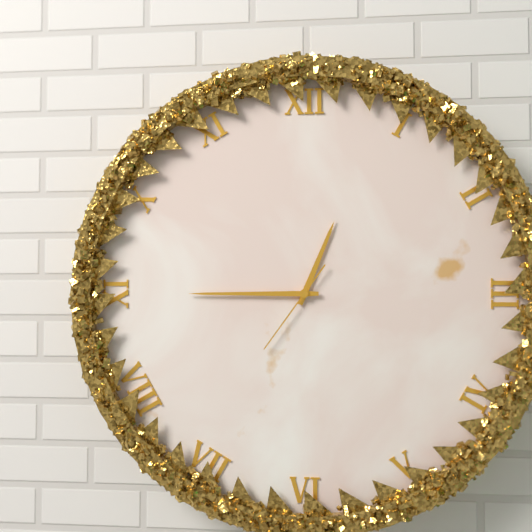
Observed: 12 h 45 min 36 s
